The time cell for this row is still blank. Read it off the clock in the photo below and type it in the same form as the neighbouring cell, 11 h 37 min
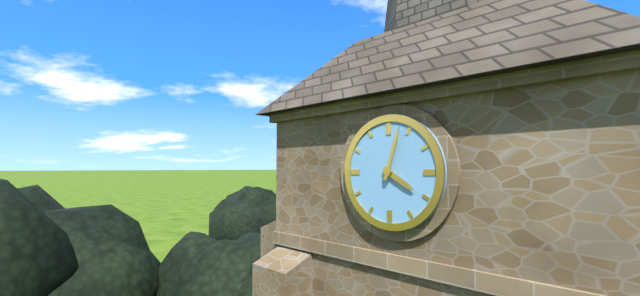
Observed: 4 h 03 min
